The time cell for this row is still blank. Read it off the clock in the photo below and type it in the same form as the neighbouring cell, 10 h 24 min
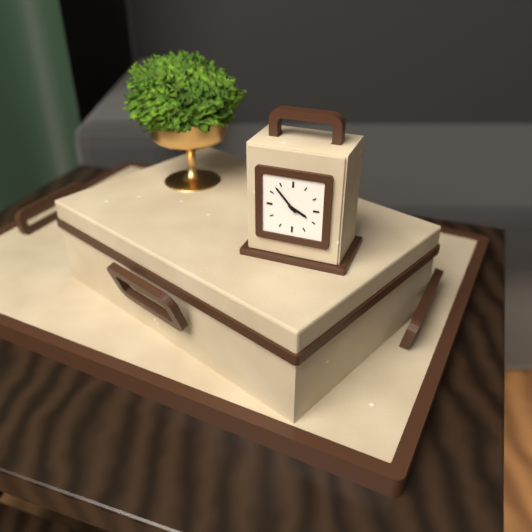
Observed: 3 h 53 min
